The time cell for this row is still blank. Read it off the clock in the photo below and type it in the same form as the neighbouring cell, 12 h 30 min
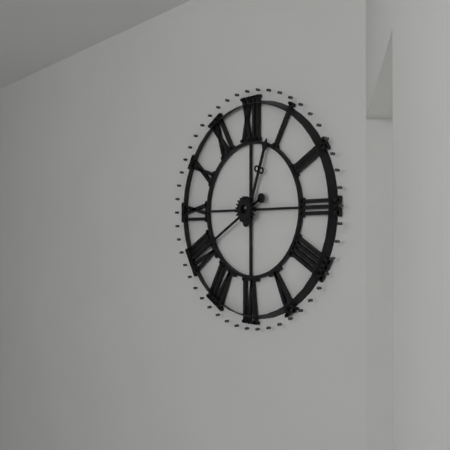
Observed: 12 h 40 min
